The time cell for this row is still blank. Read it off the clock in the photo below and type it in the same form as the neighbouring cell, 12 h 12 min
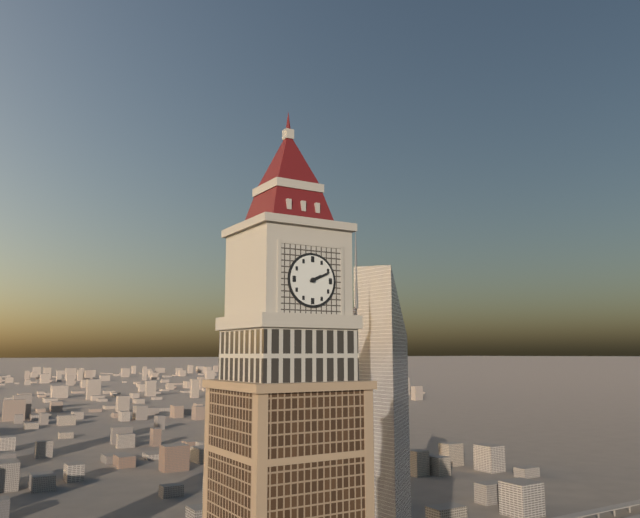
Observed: 2 h 11 min
